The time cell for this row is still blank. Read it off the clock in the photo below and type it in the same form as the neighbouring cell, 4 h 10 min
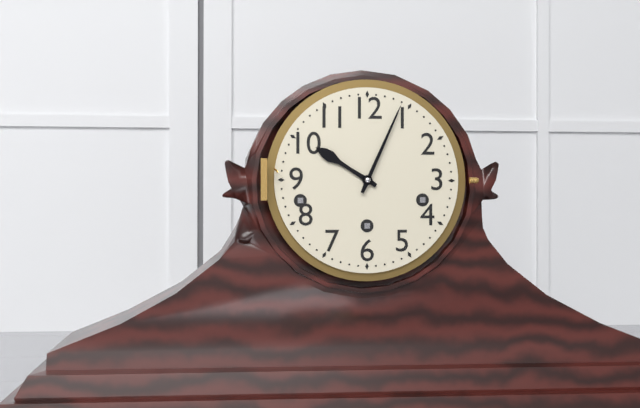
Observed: 10 h 04 min
